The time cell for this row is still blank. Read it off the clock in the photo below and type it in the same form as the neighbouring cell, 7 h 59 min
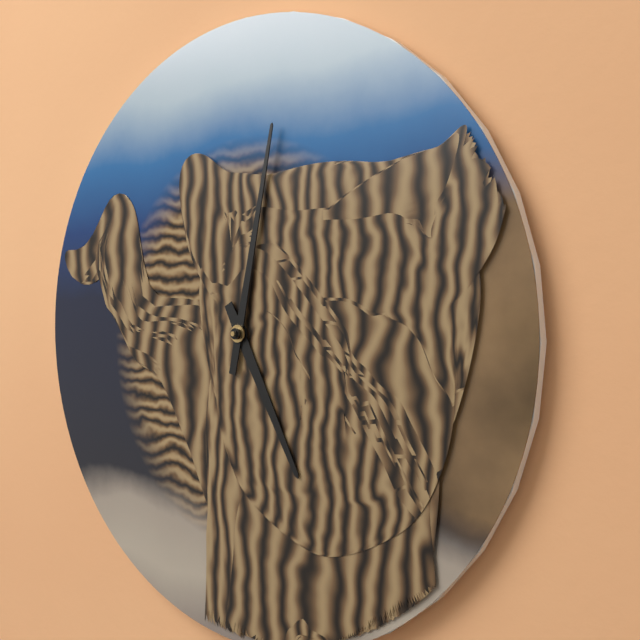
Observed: 5 h 02 min
